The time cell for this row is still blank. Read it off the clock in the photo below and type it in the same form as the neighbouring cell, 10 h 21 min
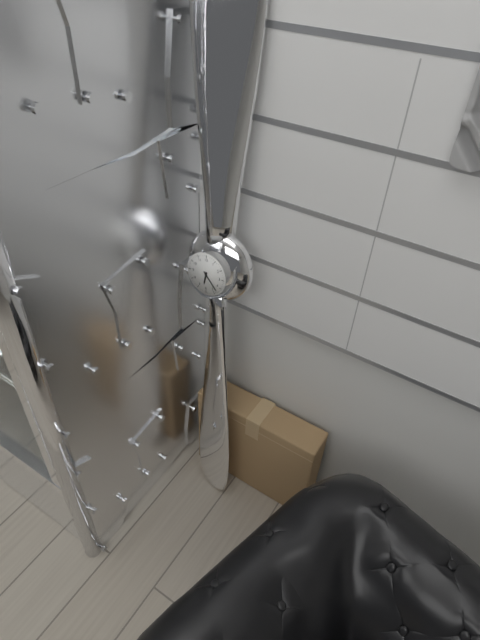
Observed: 6 h 23 min
